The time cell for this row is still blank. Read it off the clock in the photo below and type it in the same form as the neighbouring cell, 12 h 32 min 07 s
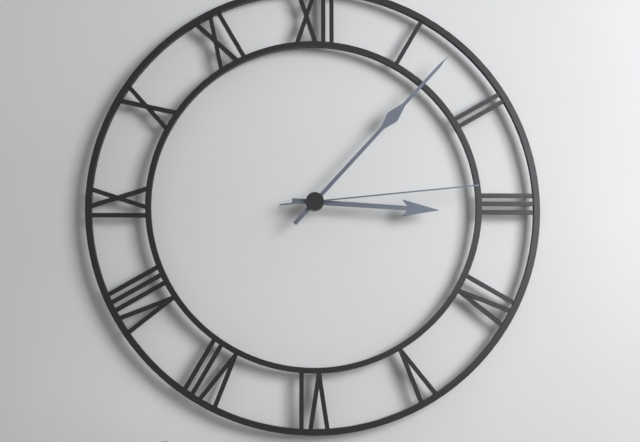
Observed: 3 h 07 min 14 s
